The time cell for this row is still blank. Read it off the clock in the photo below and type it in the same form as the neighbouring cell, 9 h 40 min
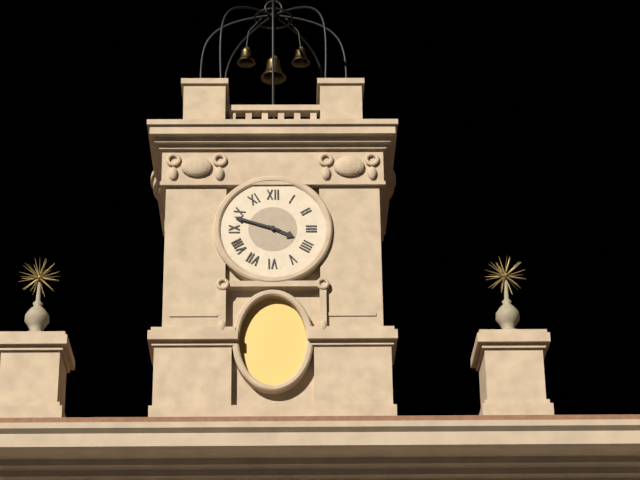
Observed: 3 h 48 min
